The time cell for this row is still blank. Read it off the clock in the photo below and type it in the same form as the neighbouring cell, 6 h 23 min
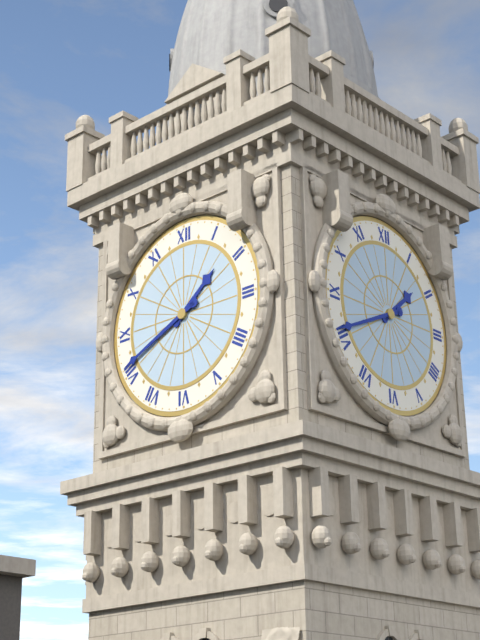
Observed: 1 h 41 min
